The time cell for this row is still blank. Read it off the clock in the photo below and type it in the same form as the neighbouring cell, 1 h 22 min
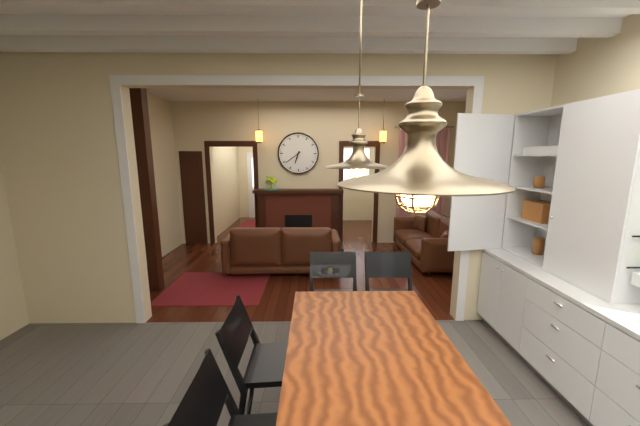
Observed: 6 h 39 min
